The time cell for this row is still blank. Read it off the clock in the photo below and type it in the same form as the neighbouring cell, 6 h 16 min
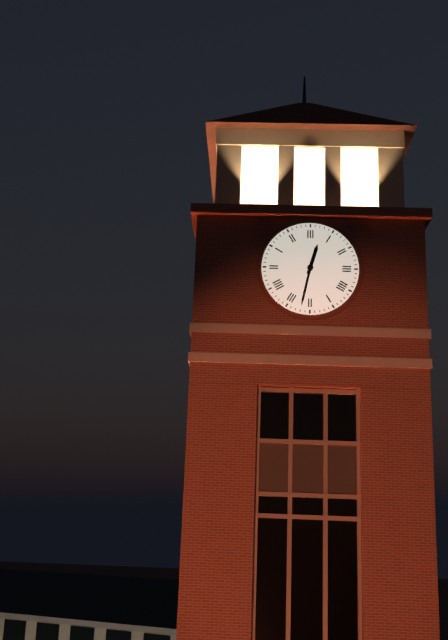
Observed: 12 h 32 min
